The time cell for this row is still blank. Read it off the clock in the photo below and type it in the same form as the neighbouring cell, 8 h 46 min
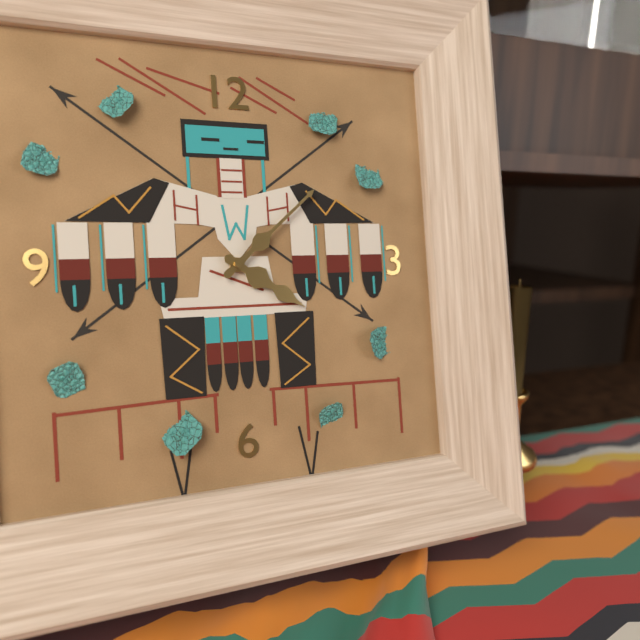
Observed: 4 h 08 min
